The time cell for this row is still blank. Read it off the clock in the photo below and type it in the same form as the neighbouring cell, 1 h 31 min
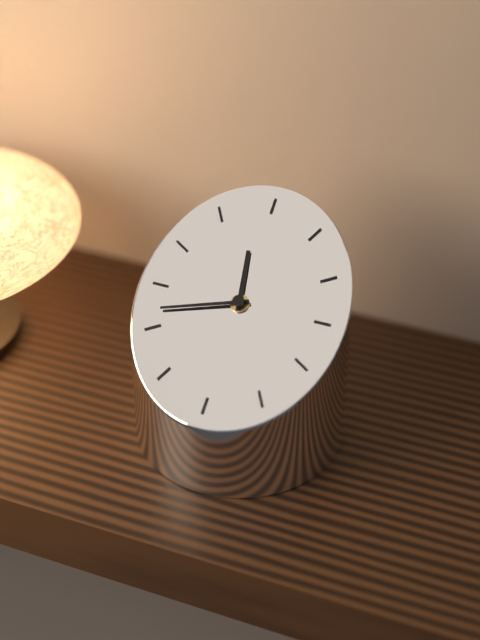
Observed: 11 h 42 min
